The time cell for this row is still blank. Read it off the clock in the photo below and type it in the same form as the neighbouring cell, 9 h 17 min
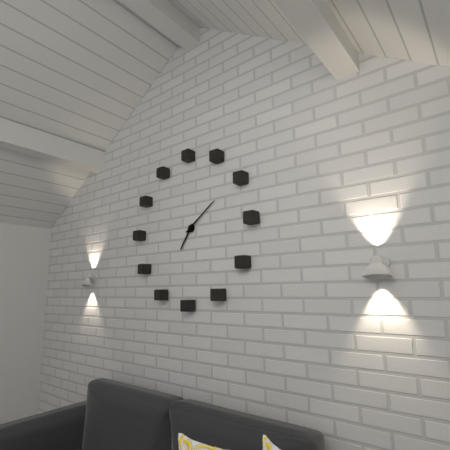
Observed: 7 h 09 min
